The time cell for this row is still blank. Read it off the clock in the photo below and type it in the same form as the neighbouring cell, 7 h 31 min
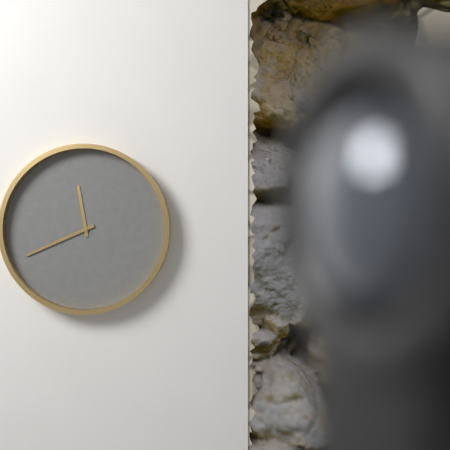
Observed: 11 h 41 min
